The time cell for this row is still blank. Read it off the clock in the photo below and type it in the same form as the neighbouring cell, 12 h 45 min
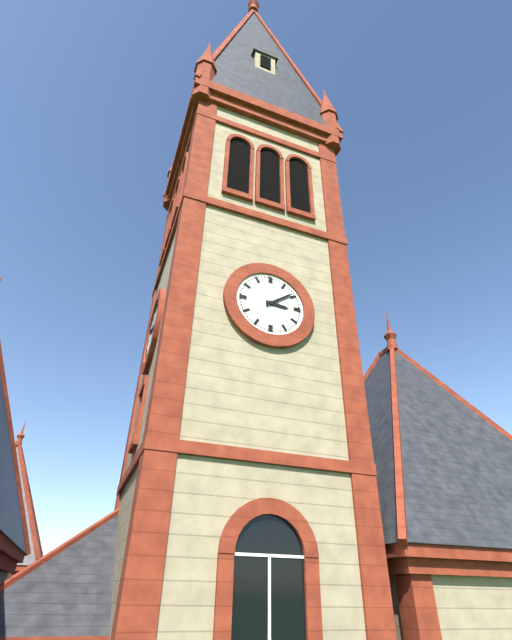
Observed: 3 h 09 min
